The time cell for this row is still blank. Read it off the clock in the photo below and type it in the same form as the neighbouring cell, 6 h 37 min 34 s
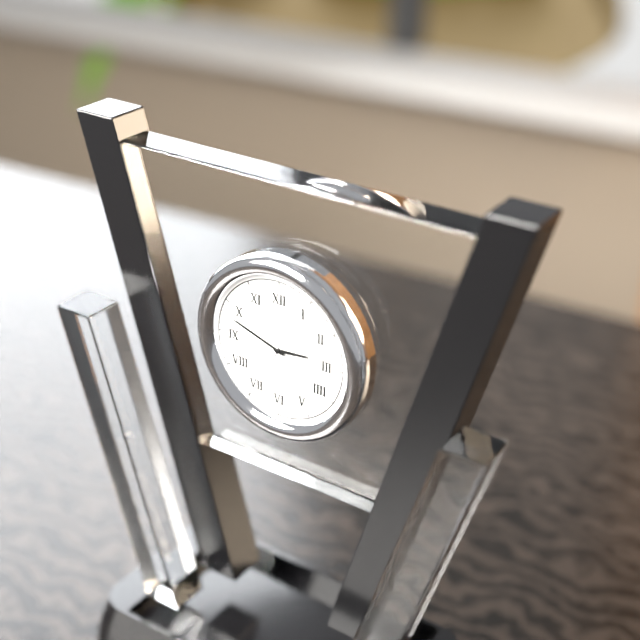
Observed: 2 h 48 min 04 s
